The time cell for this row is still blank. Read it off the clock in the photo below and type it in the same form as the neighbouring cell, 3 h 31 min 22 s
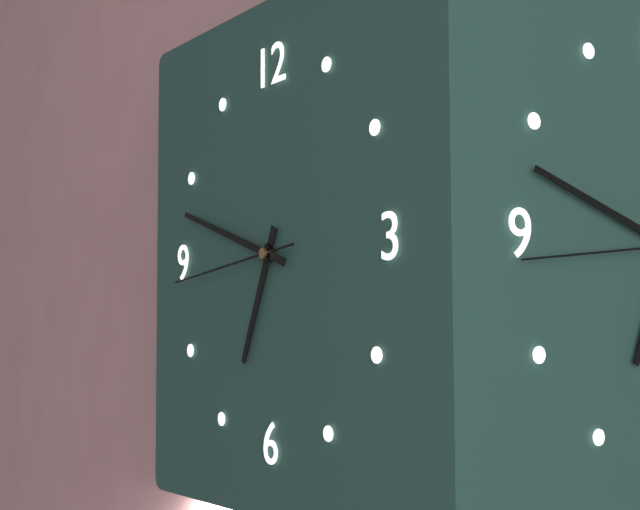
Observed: 6 h 48 min 44 s
